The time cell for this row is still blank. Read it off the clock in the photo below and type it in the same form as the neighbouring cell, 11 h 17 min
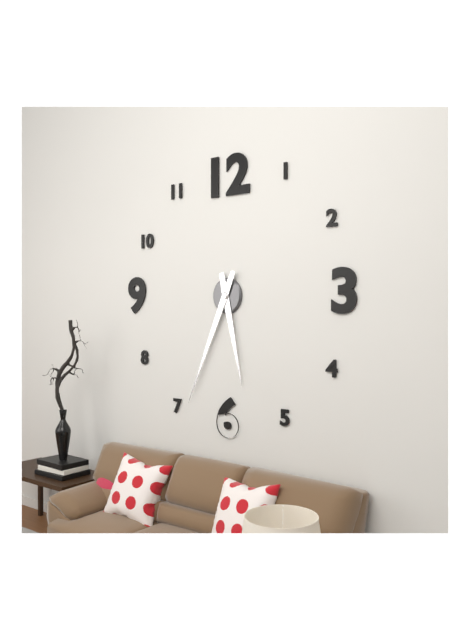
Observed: 5 h 34 min
